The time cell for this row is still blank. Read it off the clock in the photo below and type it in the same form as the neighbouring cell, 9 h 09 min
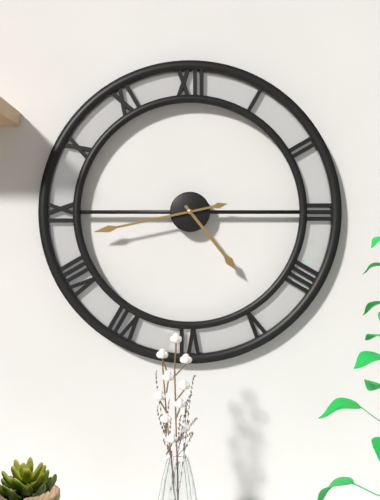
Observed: 4 h 43 min
